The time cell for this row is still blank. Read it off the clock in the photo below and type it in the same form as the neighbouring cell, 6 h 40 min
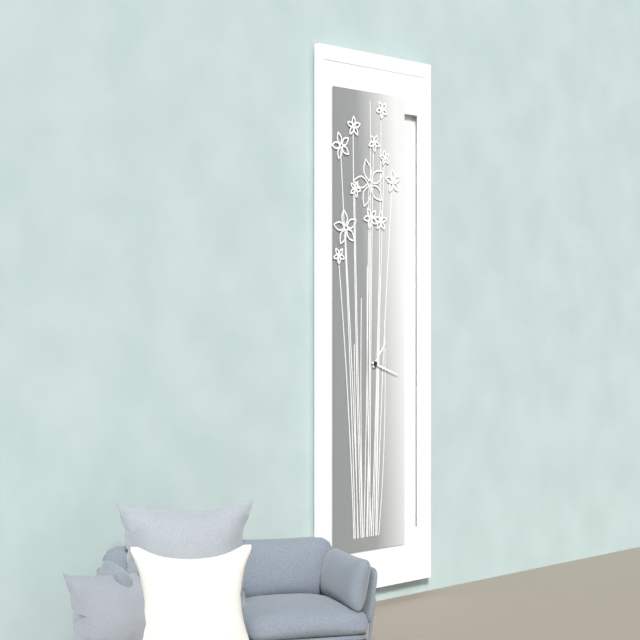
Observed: 1 h 18 min
